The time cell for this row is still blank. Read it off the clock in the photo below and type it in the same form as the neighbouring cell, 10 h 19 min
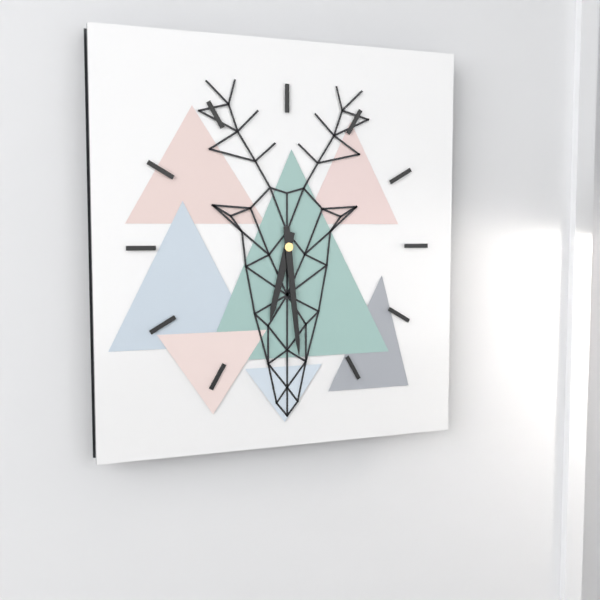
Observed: 6 h 29 min
